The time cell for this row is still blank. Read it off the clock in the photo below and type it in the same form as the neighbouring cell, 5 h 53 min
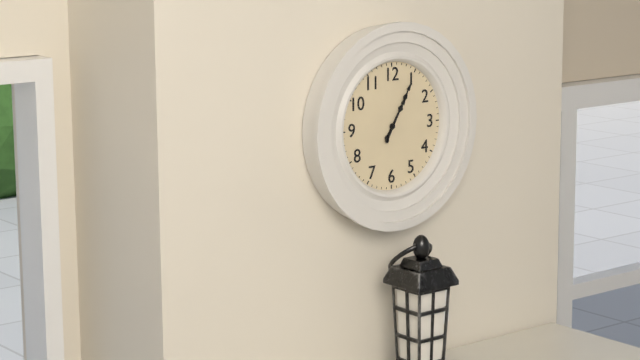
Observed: 1 h 05 min
